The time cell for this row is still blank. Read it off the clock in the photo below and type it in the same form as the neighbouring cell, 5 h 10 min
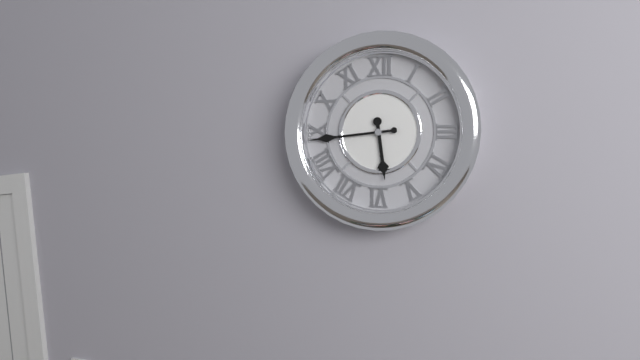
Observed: 5 h 44 min
